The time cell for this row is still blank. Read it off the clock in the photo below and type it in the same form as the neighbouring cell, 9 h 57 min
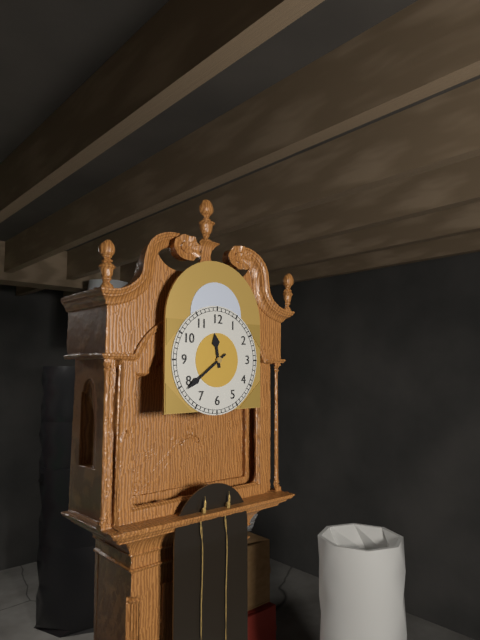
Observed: 11 h 39 min
